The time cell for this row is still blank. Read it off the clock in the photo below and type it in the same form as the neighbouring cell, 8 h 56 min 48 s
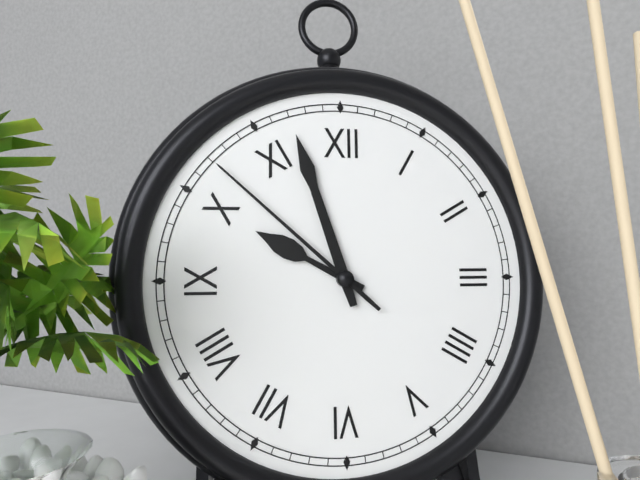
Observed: 9 h 57 min 52 s
